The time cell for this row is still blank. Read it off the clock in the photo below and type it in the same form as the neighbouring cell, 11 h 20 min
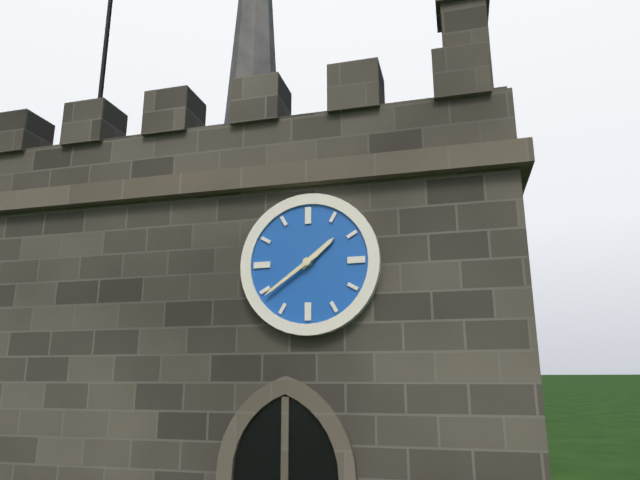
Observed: 1 h 39 min
